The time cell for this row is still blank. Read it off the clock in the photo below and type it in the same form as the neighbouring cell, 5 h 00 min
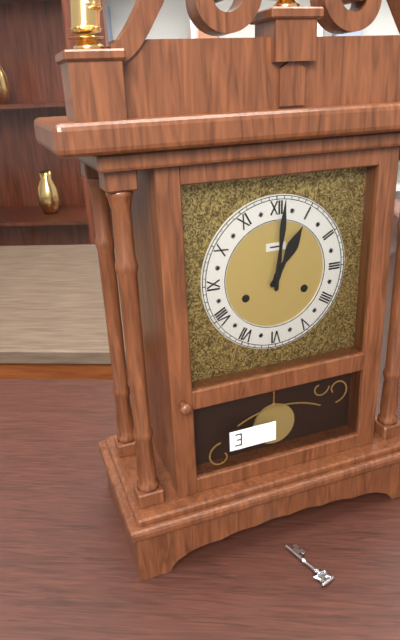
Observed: 1 h 01 min
